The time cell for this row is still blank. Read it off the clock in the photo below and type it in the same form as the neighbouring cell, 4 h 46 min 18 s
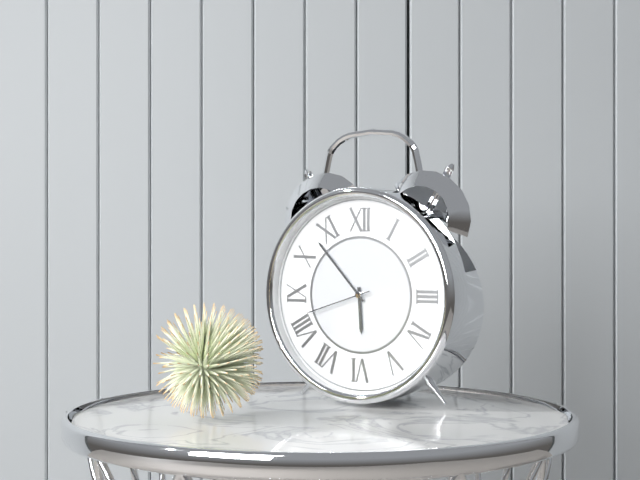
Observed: 5 h 53 min 42 s
